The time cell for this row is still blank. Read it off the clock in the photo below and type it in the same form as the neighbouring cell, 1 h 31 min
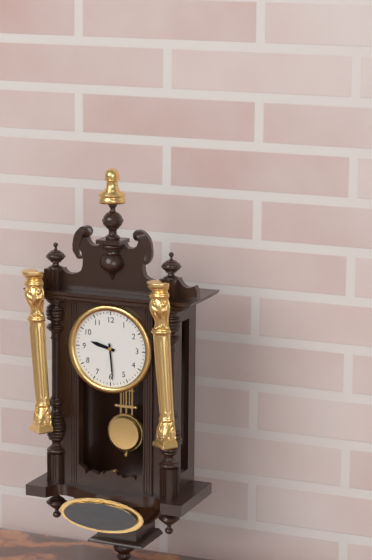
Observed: 9 h 29 min
